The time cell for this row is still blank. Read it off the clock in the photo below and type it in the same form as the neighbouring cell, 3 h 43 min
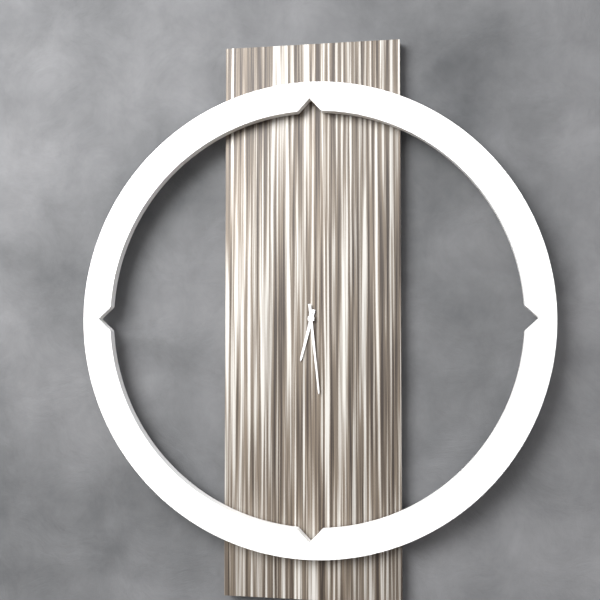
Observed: 6 h 29 min
